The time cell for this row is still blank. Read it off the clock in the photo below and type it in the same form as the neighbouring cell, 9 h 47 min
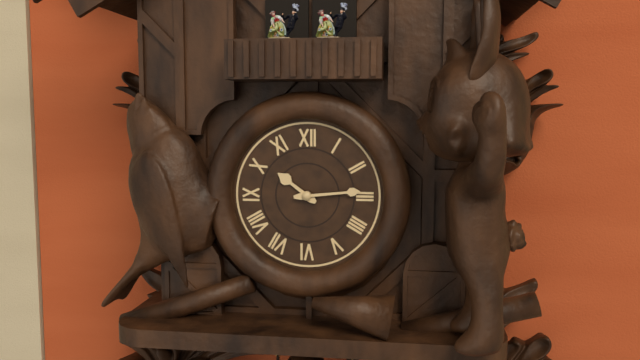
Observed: 10 h 14 min
